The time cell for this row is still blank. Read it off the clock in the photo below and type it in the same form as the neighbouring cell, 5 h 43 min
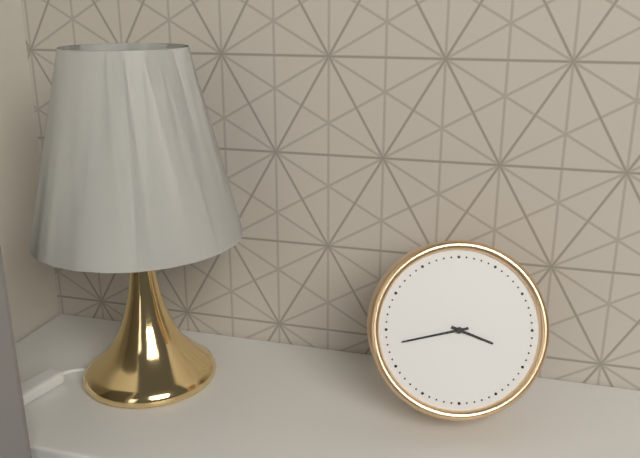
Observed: 3 h 43 min
